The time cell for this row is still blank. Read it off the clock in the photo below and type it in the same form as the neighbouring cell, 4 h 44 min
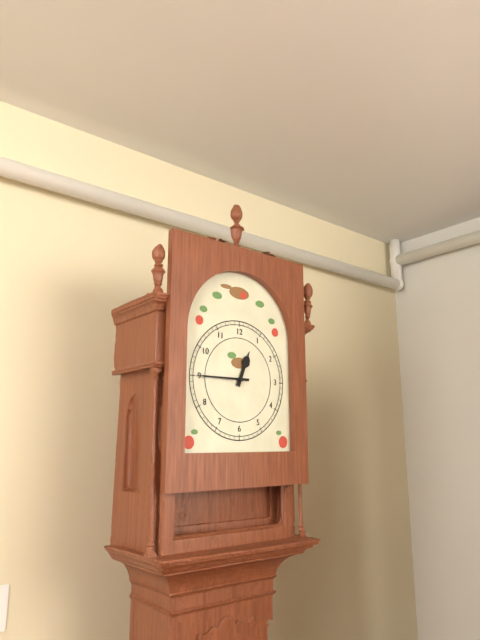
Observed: 12 h 45 min
